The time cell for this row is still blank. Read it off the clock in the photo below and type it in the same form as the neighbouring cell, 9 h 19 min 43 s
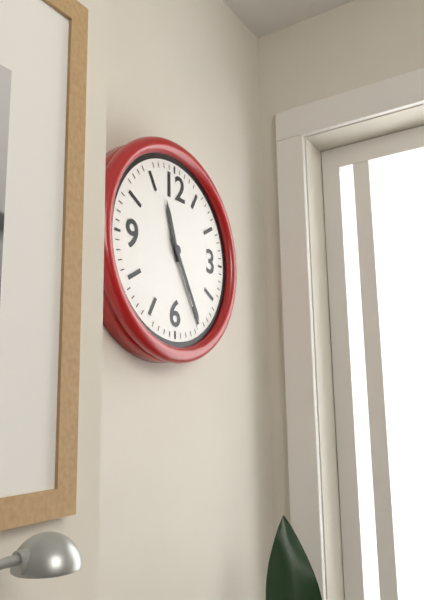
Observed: 11 h 25 min 26 s
